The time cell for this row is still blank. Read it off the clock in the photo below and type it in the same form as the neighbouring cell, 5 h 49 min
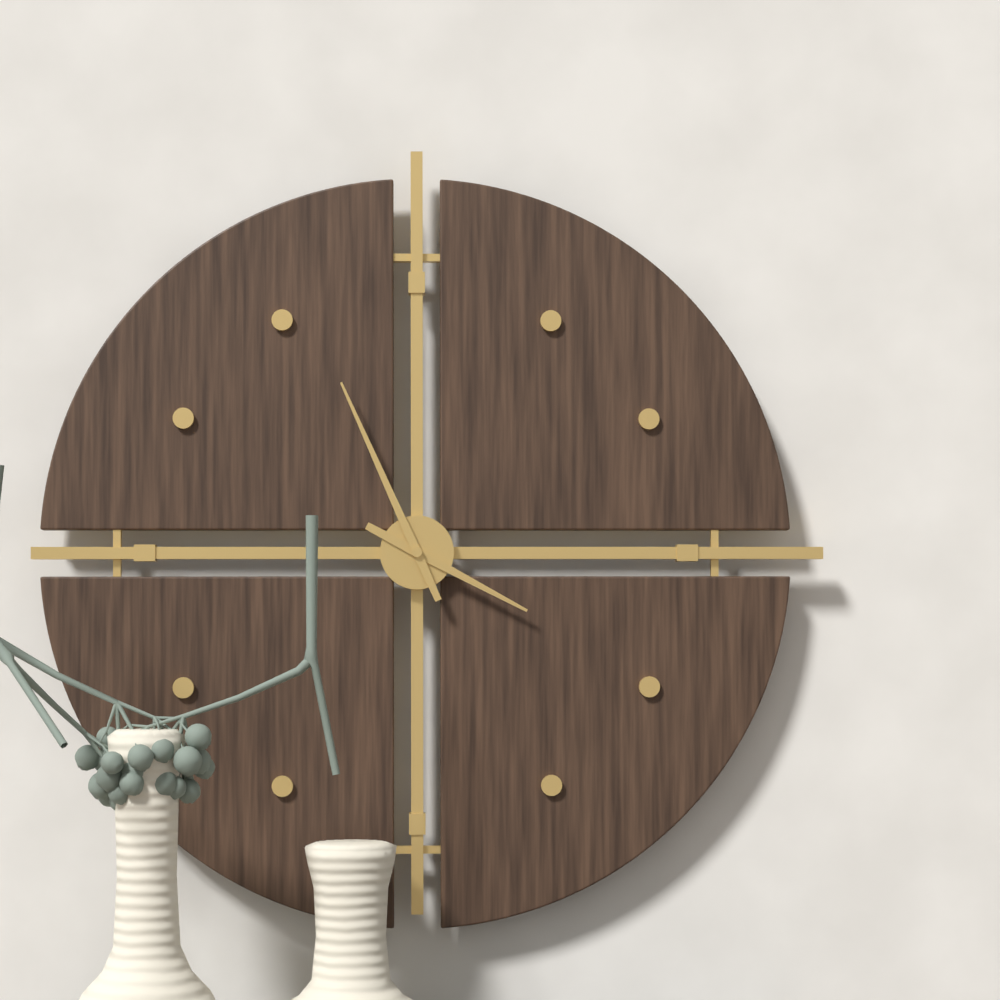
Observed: 3 h 56 min
